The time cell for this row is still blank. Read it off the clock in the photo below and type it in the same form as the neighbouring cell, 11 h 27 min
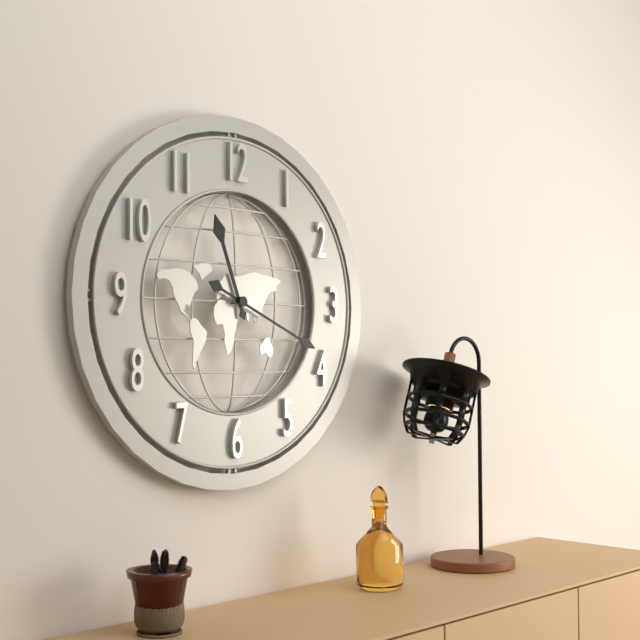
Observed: 11 h 19 min
